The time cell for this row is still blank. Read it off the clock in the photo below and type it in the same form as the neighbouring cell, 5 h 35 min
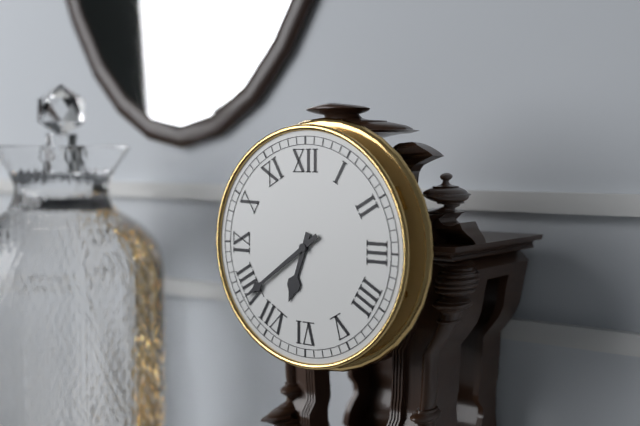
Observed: 6 h 39 min
